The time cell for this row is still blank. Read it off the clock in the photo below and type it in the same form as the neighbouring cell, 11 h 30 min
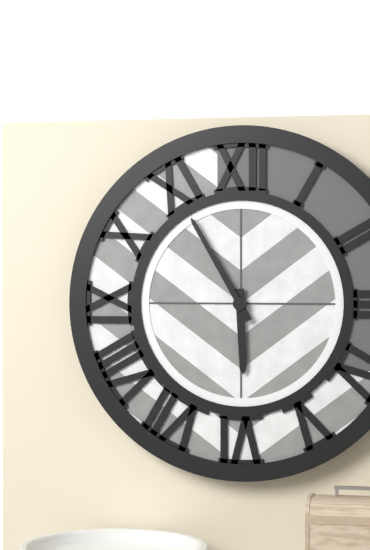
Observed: 5 h 55 min
